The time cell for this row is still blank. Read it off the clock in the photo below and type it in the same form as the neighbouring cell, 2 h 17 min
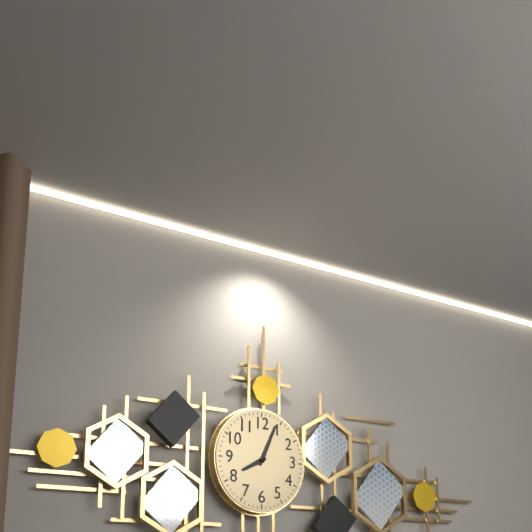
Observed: 8 h 04 min
